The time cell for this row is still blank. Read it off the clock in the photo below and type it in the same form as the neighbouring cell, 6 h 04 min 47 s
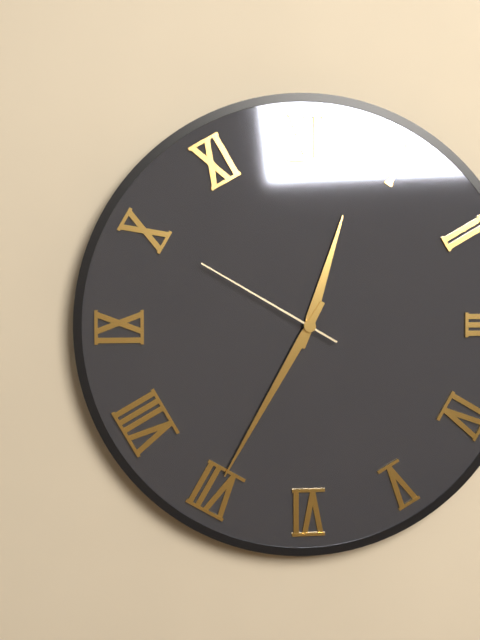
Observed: 12 h 35 min 50 s
